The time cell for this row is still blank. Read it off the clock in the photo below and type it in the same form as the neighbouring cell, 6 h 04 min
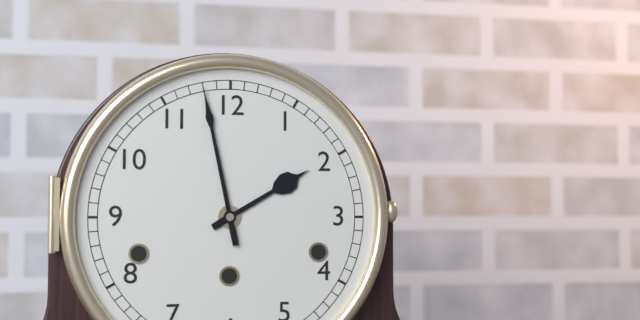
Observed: 1 h 58 min
